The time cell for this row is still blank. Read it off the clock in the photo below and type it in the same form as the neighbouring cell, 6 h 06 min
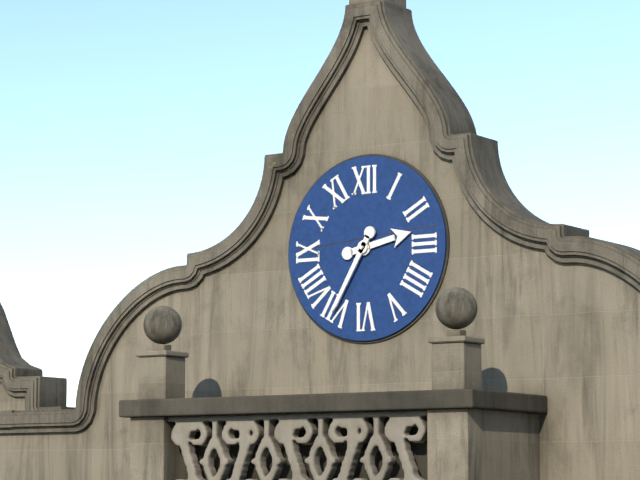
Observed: 2 h 35 min
